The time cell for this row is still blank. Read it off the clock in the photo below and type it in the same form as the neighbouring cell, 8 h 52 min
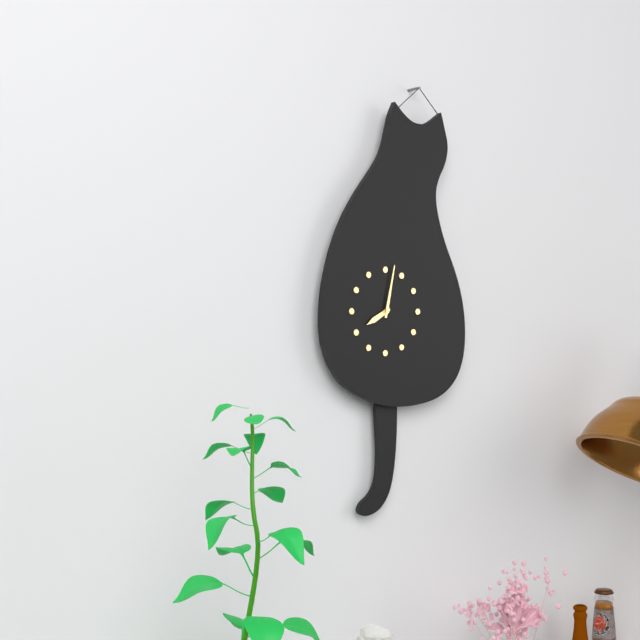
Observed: 8 h 02 min
